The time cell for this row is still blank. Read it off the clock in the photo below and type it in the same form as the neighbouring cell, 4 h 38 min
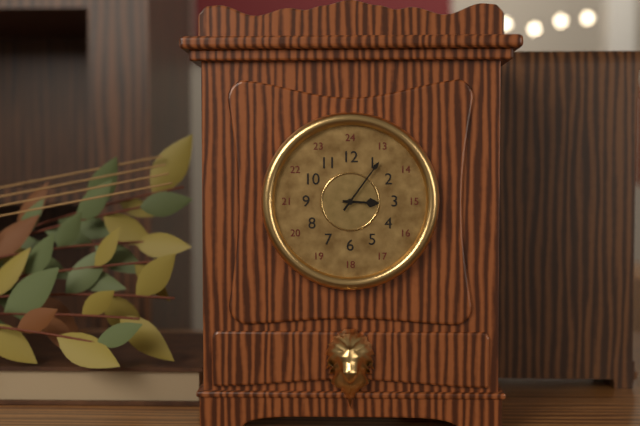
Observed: 3 h 06 min
